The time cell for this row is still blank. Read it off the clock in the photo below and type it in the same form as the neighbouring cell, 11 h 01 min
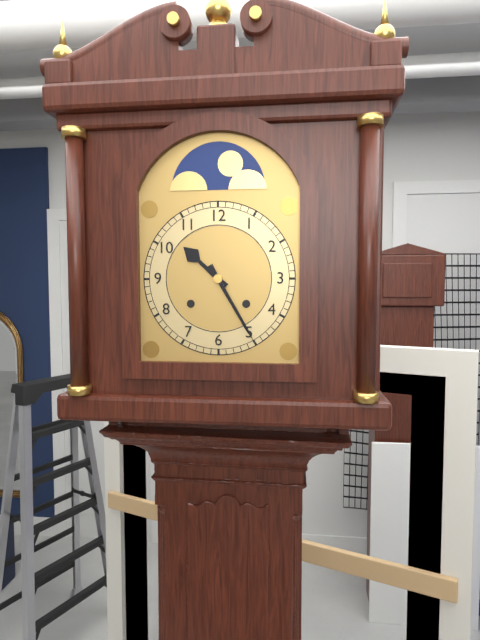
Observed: 10 h 25 min
